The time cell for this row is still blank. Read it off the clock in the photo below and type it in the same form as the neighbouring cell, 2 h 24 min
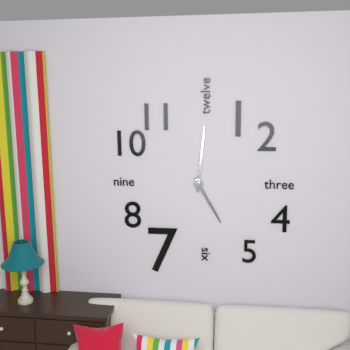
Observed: 5 h 01 min
